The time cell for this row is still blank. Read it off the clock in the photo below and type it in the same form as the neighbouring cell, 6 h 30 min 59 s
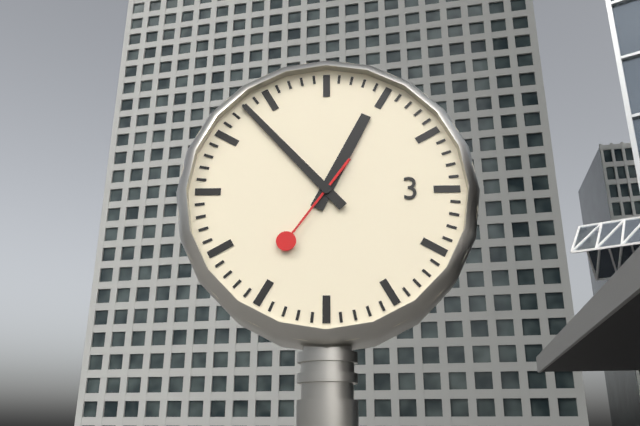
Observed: 12 h 53 min 36 s
